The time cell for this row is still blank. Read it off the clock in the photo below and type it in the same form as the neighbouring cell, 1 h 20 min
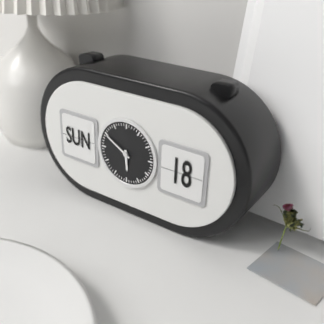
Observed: 5 h 50 min
